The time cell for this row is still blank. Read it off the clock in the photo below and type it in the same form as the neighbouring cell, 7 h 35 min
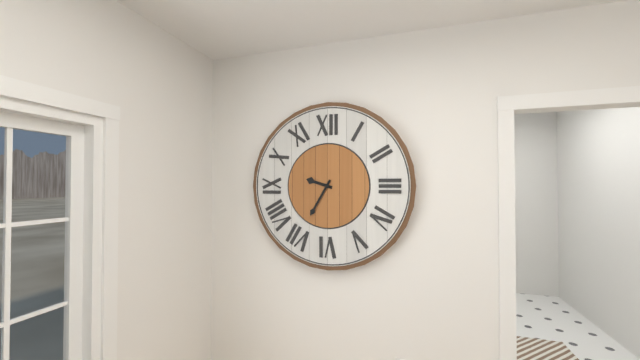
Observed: 9 h 35 min
